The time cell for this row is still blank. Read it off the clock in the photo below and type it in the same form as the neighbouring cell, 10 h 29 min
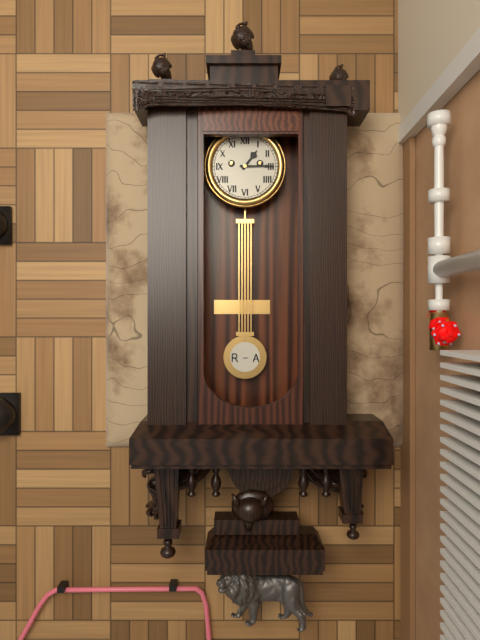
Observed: 1 h 15 min
